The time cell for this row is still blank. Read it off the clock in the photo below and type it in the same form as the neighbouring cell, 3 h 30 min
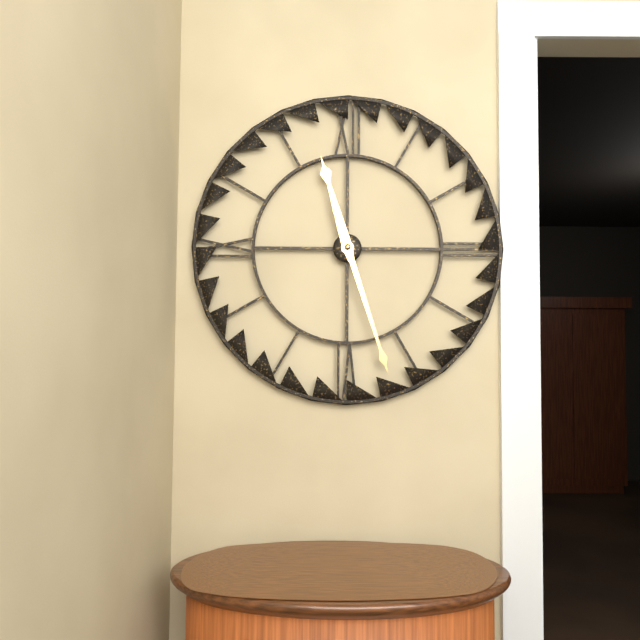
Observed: 11 h 27 min
